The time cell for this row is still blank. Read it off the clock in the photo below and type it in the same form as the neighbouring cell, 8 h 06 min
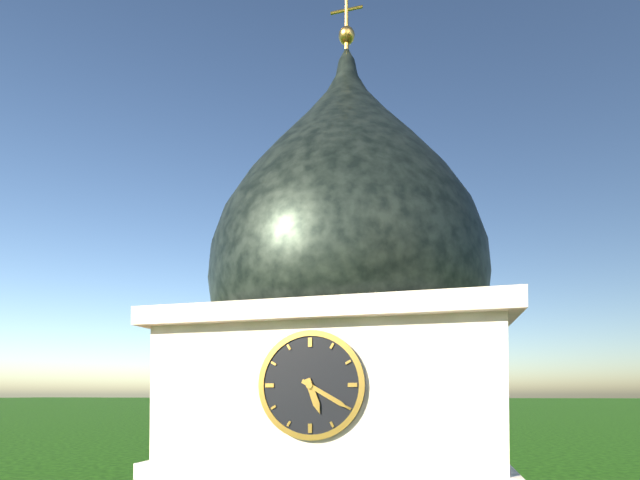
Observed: 5 h 20 min
